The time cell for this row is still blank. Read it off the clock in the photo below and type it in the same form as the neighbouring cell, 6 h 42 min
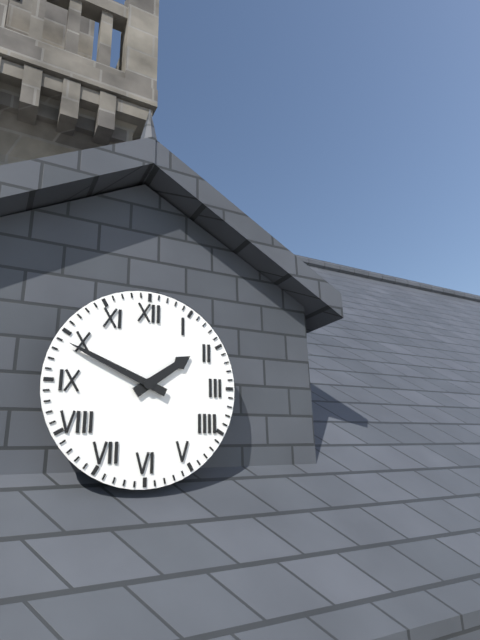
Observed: 1 h 49 min
